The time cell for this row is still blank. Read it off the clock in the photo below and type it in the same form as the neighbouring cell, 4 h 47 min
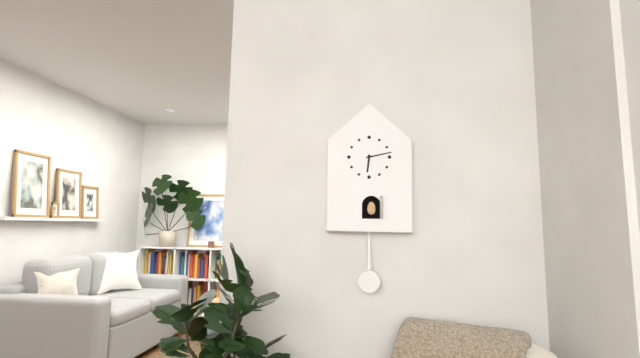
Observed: 6 h 13 min
